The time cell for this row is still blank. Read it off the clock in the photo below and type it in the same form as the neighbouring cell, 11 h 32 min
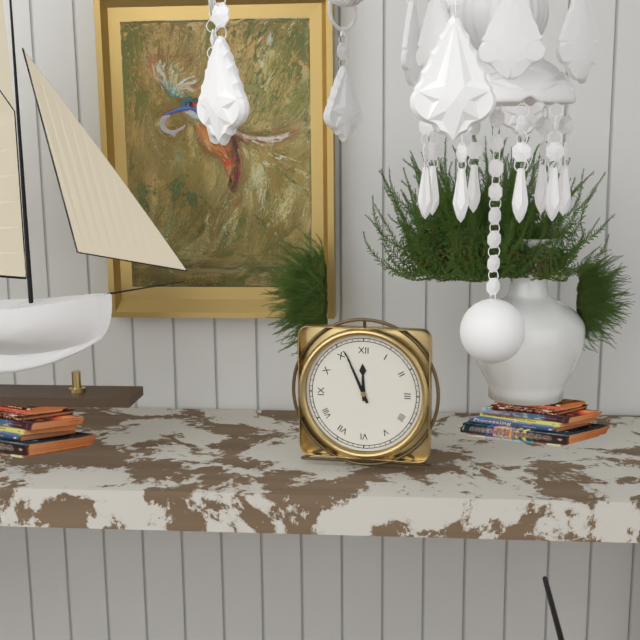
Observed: 11 h 56 min
